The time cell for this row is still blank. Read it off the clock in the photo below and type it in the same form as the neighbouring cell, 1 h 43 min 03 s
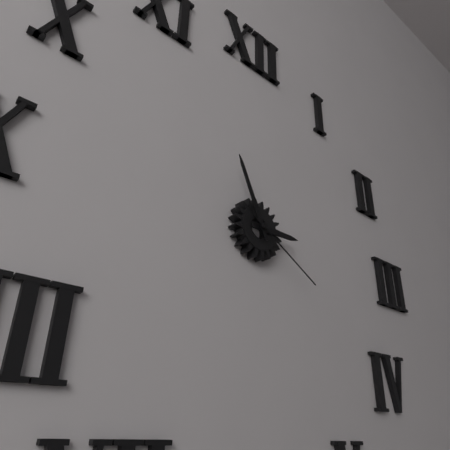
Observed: 2 h 56 min 20 s
